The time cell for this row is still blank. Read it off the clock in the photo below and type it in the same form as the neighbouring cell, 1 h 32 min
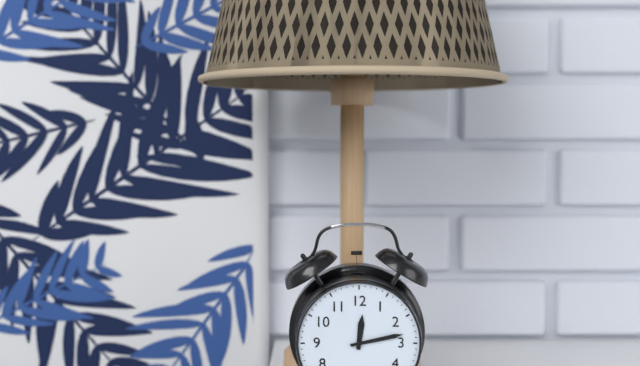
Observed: 12 h 13 min
